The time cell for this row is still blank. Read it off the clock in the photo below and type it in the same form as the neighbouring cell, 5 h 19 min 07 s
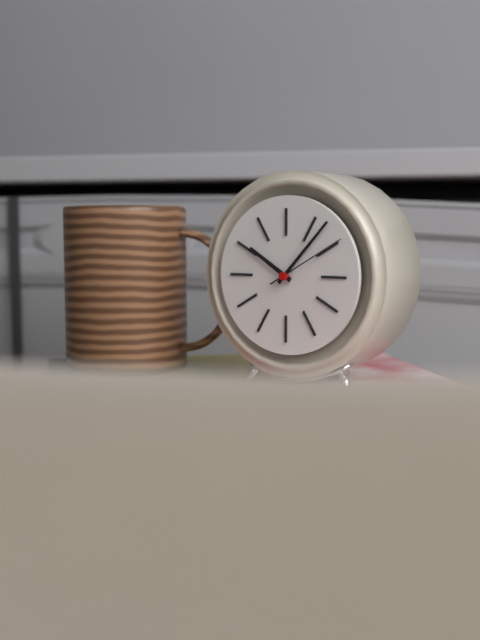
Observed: 10 h 07 min 10 s
